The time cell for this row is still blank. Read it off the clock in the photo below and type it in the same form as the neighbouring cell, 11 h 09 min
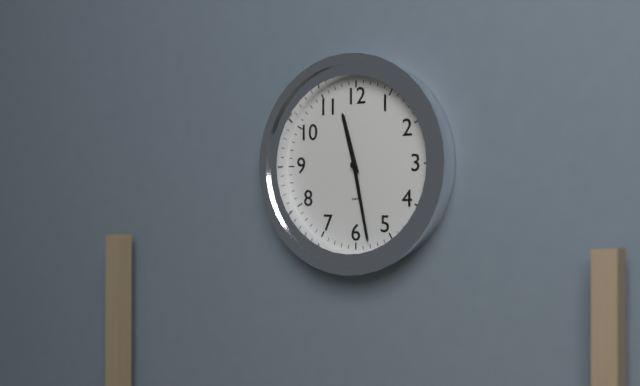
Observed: 11 h 28 min
